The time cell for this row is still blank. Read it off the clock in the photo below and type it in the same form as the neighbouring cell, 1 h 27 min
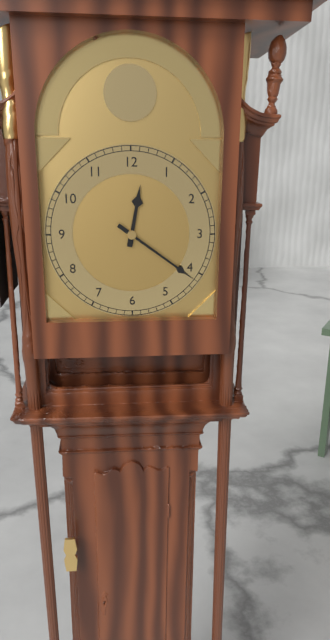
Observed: 12 h 21 min
